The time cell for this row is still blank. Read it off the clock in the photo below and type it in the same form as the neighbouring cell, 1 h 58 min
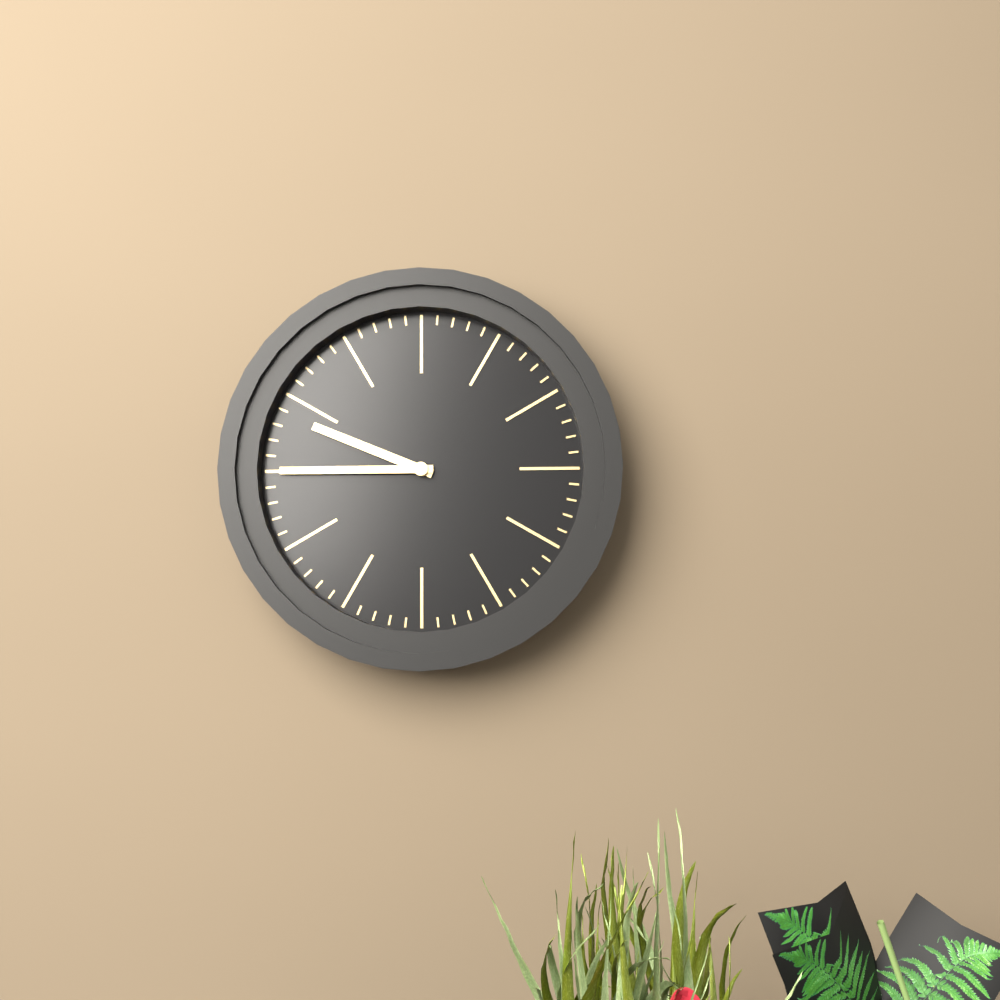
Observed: 9 h 45 min
